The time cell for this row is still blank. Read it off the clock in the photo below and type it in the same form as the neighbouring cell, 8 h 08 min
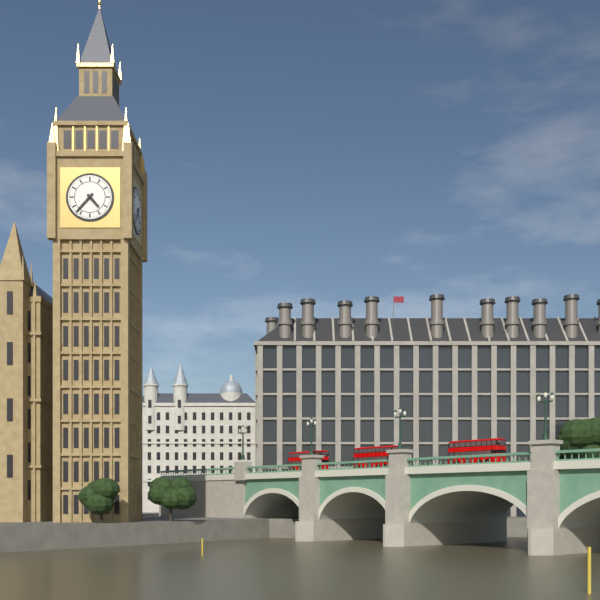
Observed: 4 h 37 min
